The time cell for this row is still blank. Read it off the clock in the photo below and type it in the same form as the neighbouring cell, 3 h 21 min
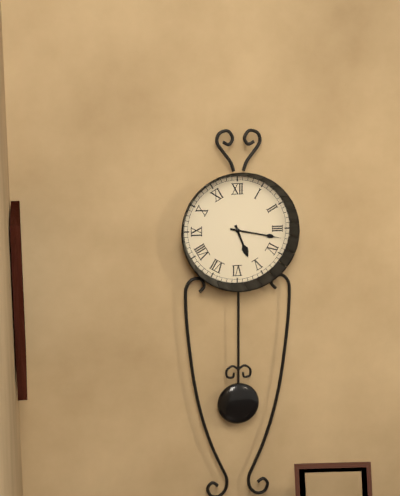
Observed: 5 h 17 min
